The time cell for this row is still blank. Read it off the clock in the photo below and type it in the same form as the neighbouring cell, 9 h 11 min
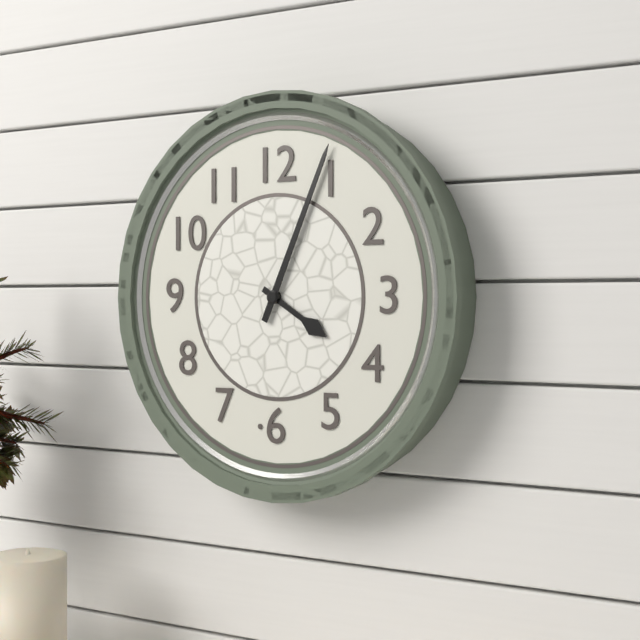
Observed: 4 h 04 min
